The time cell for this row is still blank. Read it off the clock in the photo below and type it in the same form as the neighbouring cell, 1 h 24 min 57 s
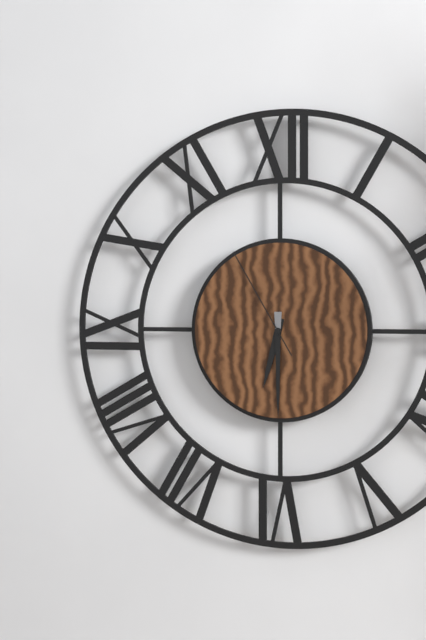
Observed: 6 h 30 min 55 s
